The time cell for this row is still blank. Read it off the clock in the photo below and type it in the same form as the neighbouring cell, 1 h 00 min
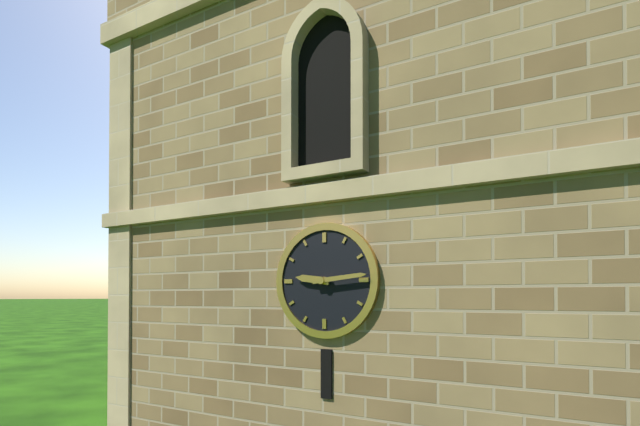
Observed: 9 h 14 min
